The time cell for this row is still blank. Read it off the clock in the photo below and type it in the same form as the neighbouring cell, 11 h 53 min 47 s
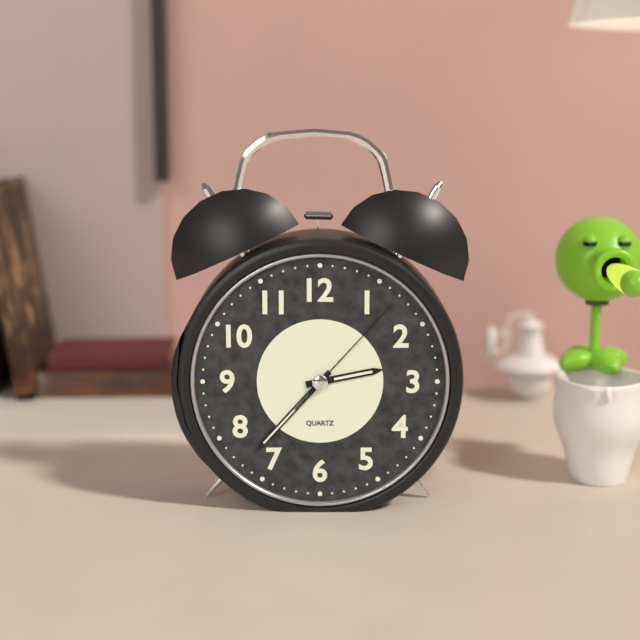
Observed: 2 h 37 min 07 s
